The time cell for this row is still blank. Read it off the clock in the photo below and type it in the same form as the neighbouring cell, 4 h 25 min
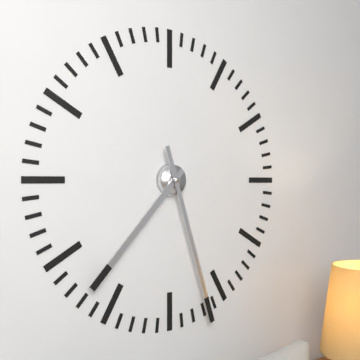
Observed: 7 h 27 min
